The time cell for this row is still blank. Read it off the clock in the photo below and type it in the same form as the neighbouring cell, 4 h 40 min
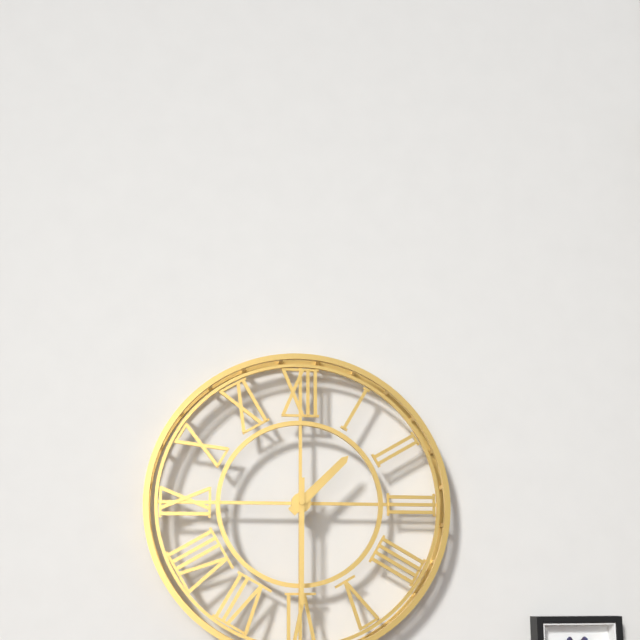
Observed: 1 h 30 min
